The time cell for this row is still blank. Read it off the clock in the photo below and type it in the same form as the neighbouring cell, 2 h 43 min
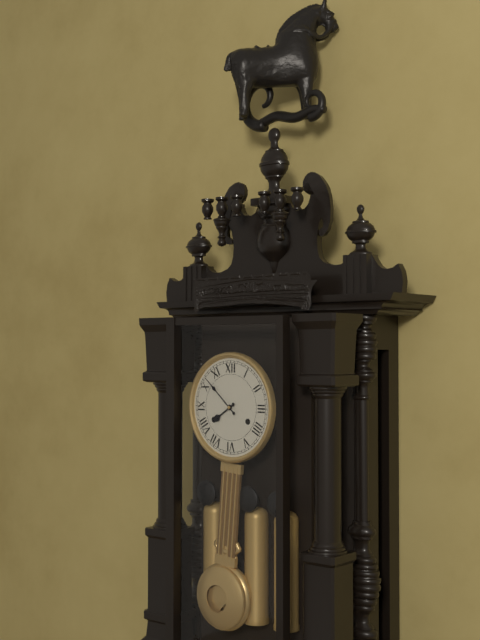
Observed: 7 h 52 min
